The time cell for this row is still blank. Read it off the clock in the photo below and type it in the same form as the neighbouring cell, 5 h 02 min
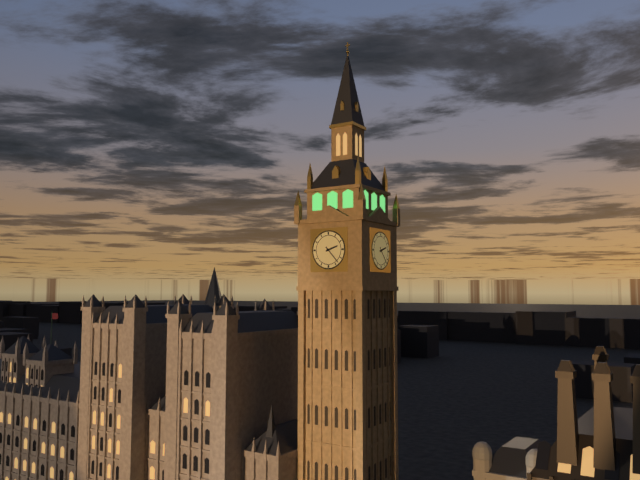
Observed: 2 h 23 min
